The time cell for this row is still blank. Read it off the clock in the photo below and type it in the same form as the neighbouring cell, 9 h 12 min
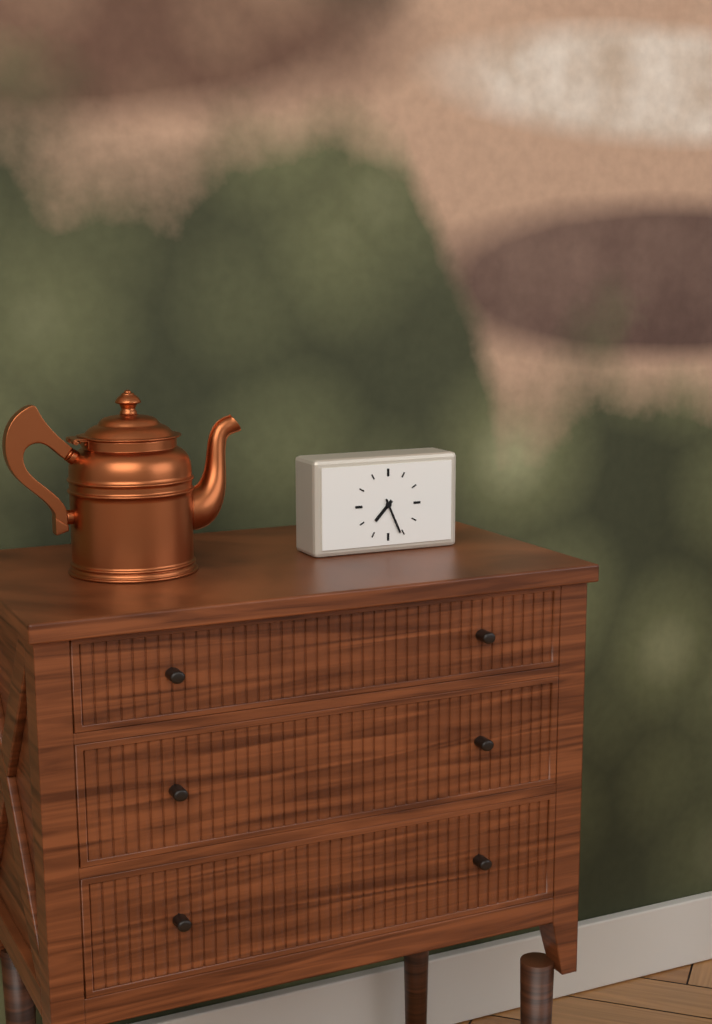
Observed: 7 h 26 min
